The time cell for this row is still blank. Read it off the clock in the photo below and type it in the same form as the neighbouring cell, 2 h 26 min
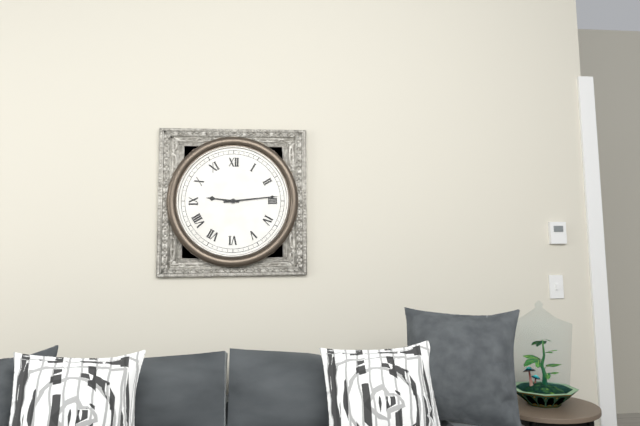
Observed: 9 h 14 min
